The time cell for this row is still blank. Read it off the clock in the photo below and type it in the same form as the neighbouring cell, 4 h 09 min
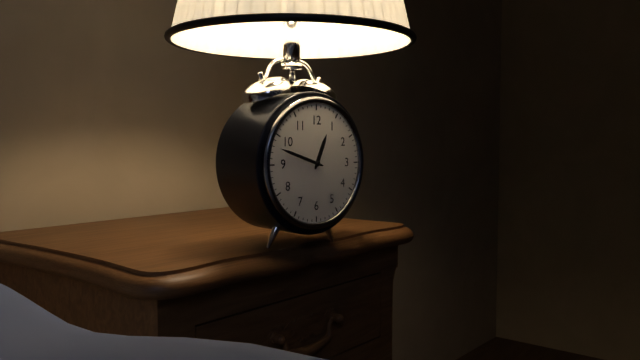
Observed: 12 h 48 min
